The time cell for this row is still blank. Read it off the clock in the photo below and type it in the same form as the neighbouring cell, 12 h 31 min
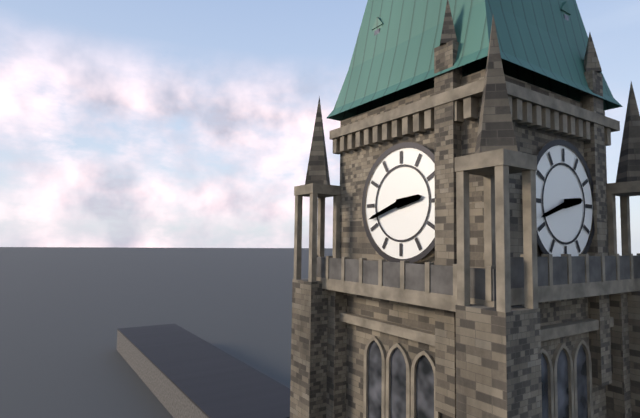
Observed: 2 h 42 min
